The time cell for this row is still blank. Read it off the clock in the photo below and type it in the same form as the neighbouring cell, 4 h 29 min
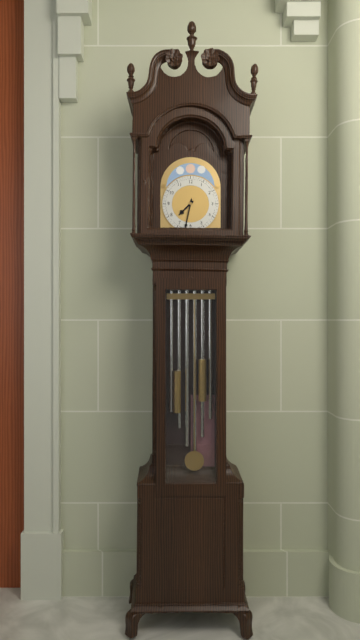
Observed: 7 h 32 min
